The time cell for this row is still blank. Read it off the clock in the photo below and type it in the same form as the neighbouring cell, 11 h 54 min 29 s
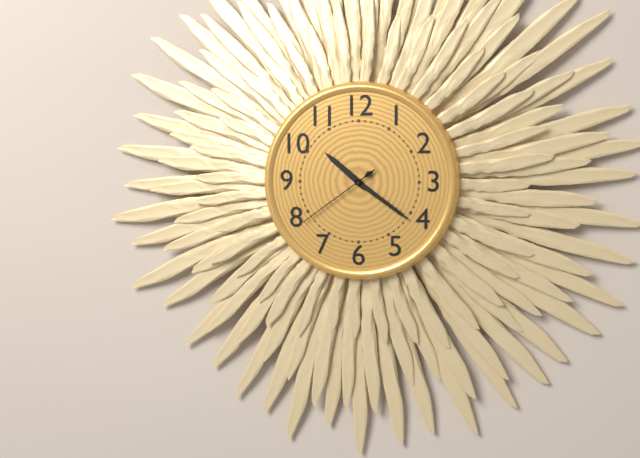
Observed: 10 h 21 min 39 s
